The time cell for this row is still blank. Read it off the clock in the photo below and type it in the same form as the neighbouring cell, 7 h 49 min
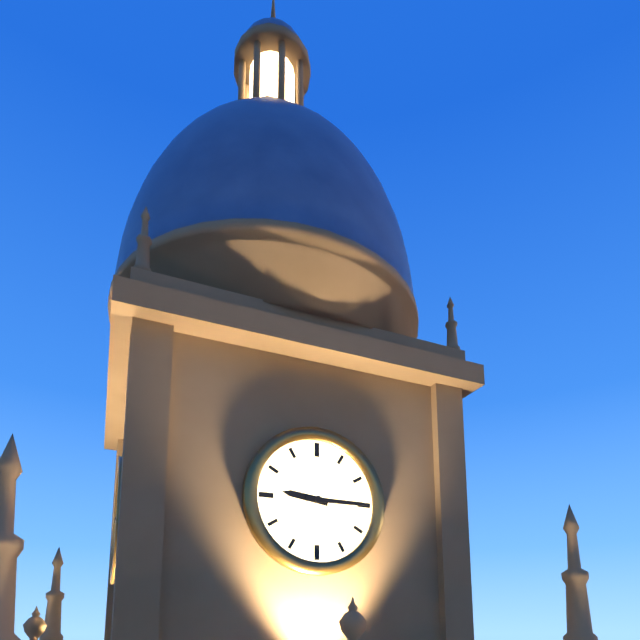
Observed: 9 h 15 min
